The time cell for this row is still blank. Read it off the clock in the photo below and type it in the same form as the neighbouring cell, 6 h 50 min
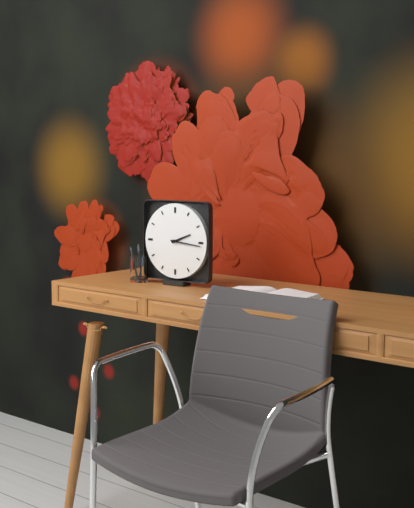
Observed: 2 h 16 min
